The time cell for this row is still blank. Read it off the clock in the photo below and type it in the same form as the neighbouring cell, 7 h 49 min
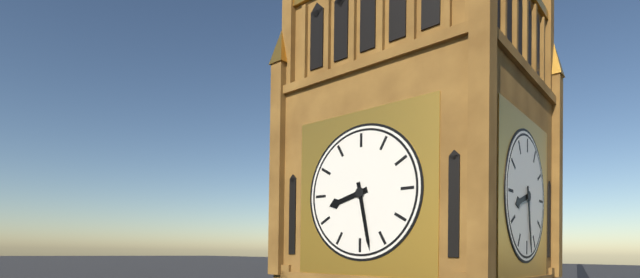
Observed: 8 h 28 min
